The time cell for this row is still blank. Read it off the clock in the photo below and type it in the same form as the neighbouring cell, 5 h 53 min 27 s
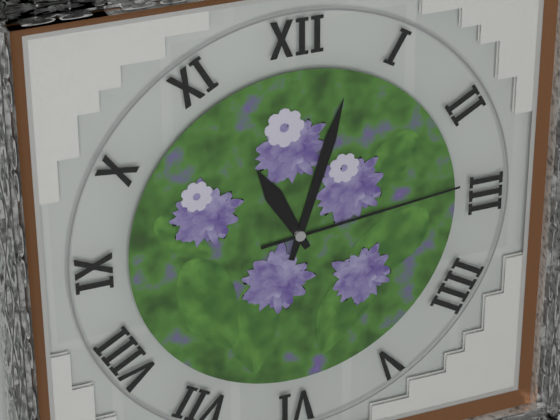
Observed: 11 h 03 min 14 s
